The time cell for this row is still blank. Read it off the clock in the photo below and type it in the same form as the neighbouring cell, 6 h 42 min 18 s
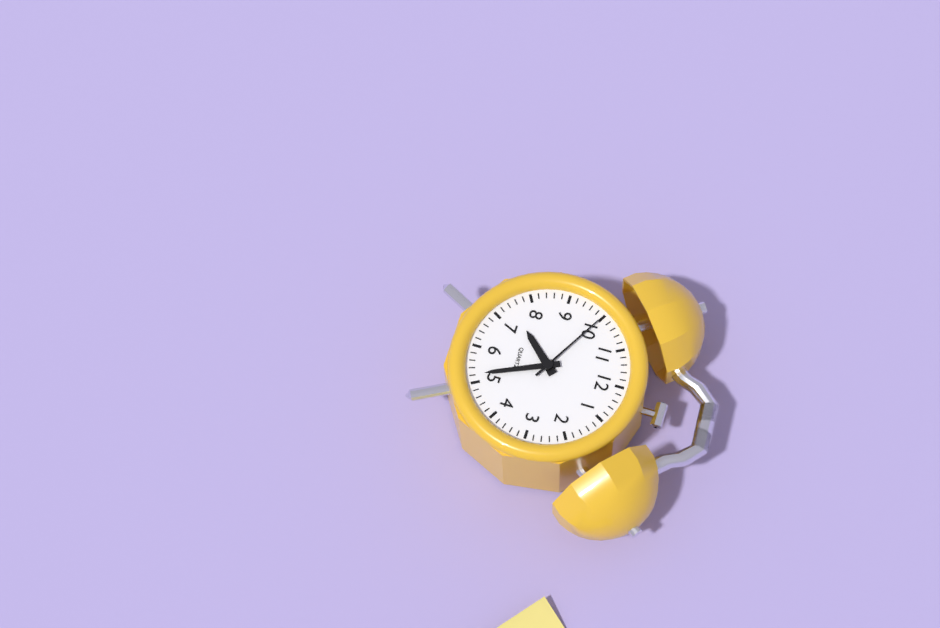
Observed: 7 h 26 min 50 s
